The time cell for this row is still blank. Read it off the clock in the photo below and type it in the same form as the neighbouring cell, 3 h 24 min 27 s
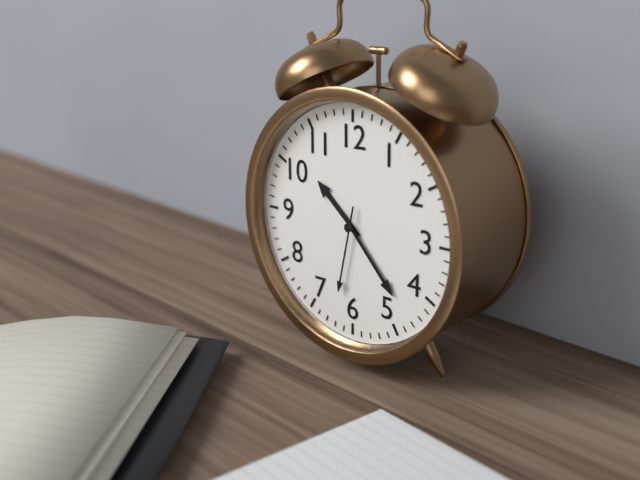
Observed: 10 h 23 min 32 s
